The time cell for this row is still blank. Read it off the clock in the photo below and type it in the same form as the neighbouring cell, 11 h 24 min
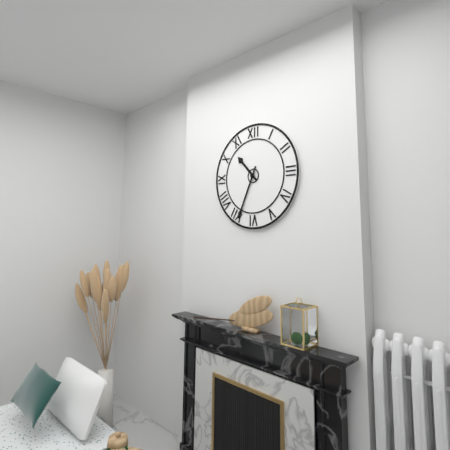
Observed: 10 h 34 min
